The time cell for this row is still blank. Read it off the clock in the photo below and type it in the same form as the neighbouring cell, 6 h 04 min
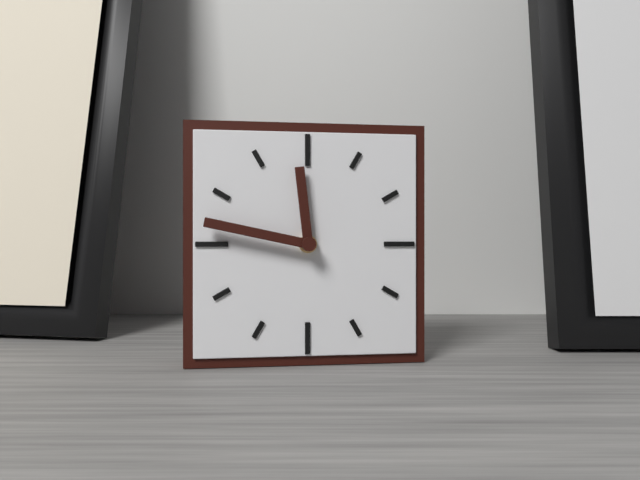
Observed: 11 h 47 min
